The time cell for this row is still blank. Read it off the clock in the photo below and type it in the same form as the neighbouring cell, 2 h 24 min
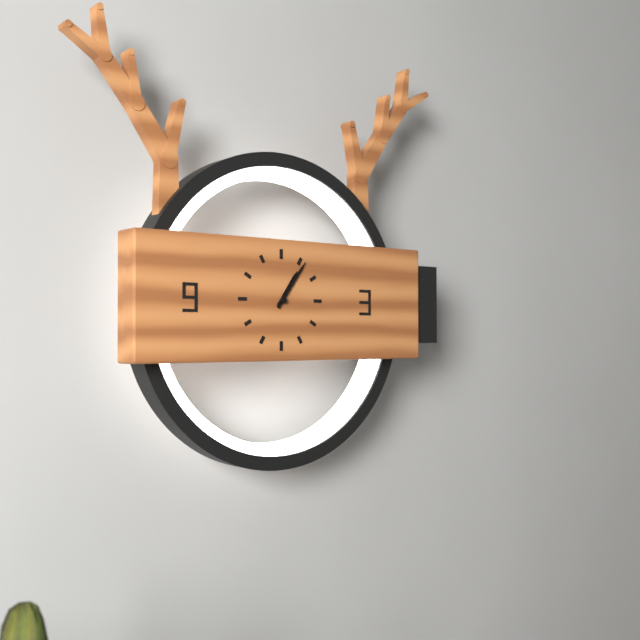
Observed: 1 h 06 min
